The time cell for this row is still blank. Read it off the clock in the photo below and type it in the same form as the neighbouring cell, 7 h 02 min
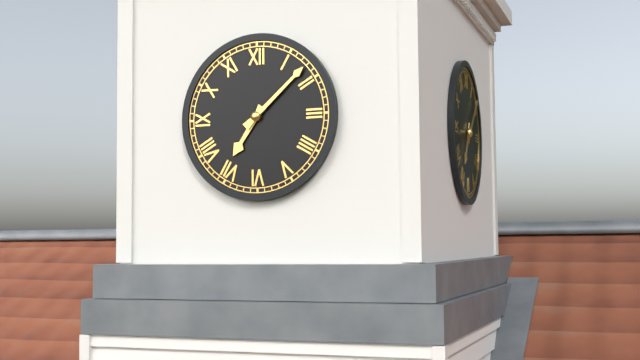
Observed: 7 h 08 min
